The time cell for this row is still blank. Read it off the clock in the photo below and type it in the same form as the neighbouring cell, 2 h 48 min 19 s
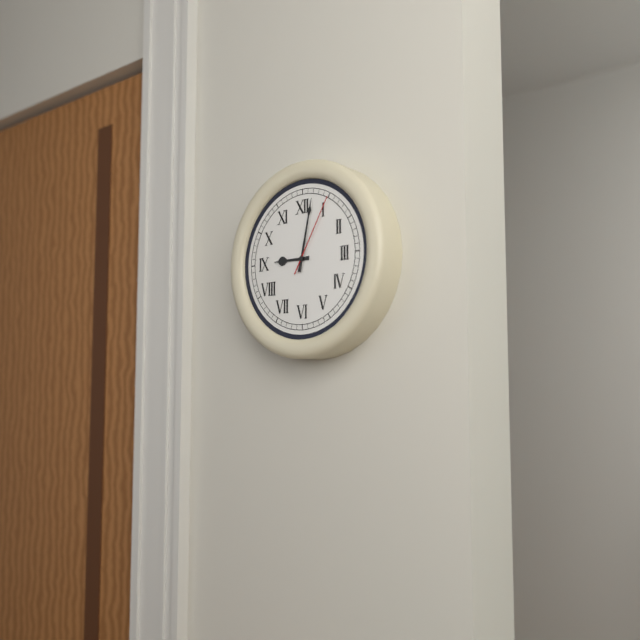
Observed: 9 h 02 min 05 s
